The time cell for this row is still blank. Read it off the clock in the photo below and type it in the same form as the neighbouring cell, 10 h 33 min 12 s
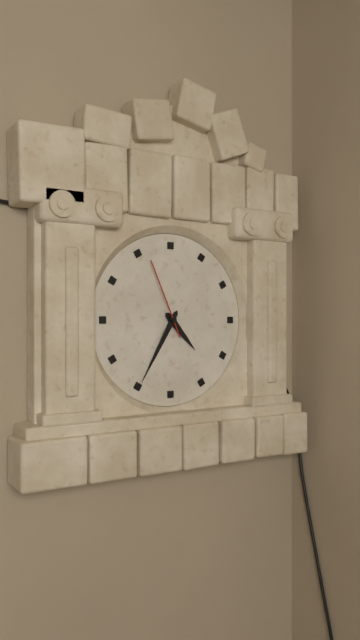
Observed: 4 h 35 min 56 s
